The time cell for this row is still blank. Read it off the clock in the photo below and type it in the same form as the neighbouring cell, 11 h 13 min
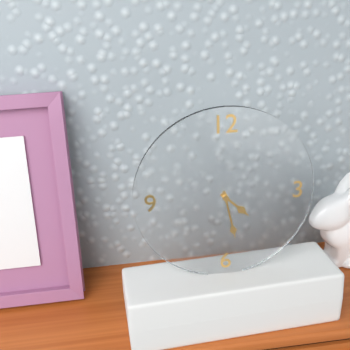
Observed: 4 h 28 min
